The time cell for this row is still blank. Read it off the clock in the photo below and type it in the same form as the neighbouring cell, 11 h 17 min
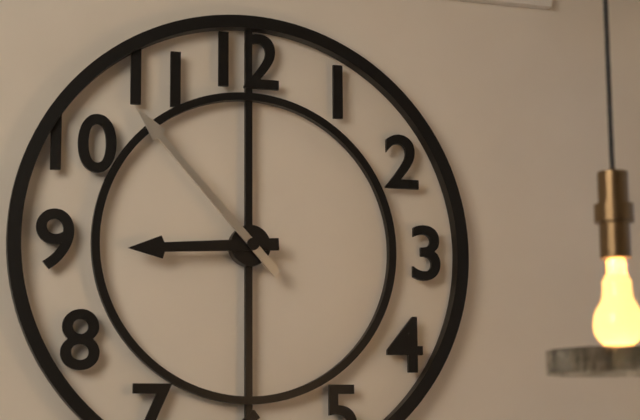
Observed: 8 h 53 min
